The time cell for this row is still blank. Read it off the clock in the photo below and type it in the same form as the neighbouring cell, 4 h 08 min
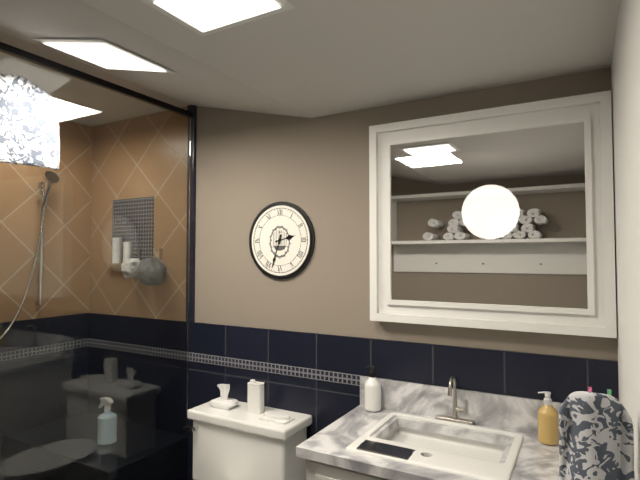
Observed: 2 h 33 min
